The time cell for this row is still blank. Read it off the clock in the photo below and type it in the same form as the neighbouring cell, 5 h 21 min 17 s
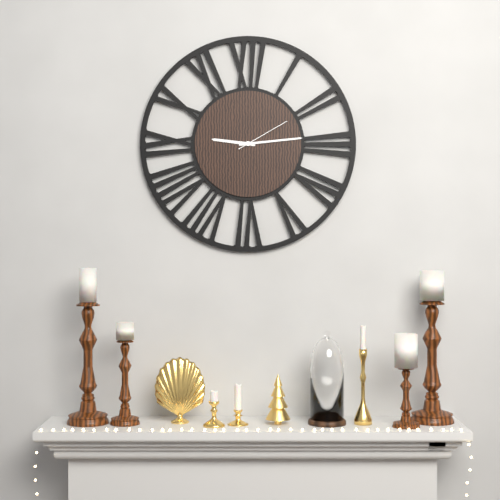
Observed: 9 h 14 min 10 s
